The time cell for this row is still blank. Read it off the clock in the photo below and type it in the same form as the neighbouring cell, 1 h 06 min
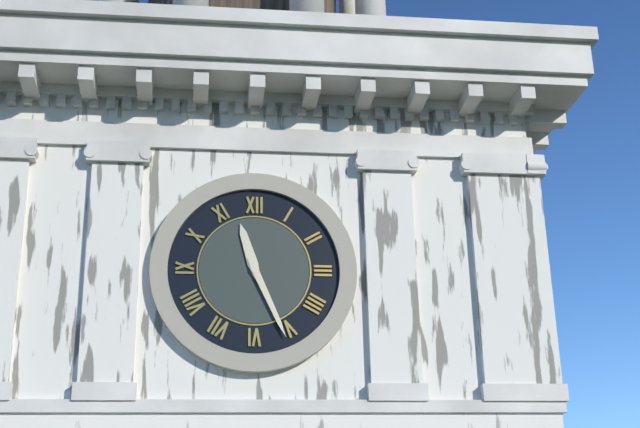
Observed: 11 h 26 min
